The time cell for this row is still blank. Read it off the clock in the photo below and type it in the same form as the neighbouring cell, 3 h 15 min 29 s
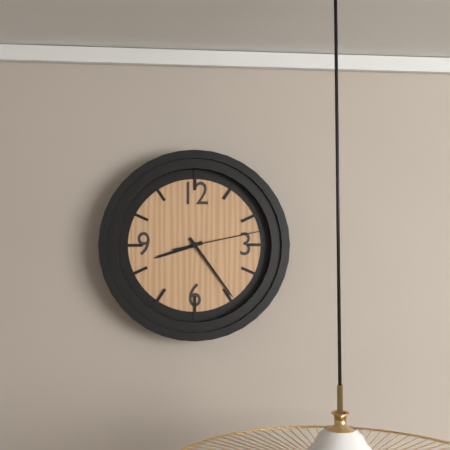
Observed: 8 h 24 min 13 s
